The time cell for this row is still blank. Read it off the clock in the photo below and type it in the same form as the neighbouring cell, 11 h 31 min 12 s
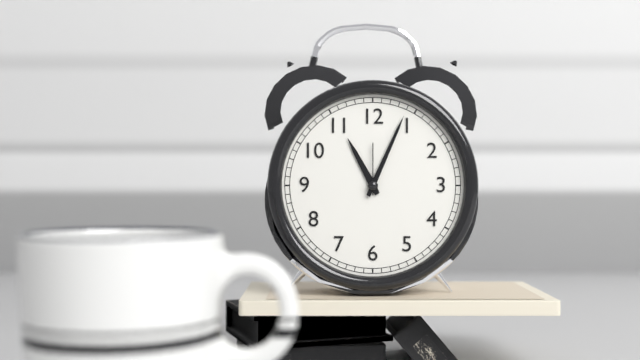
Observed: 11 h 04 min 00 s
